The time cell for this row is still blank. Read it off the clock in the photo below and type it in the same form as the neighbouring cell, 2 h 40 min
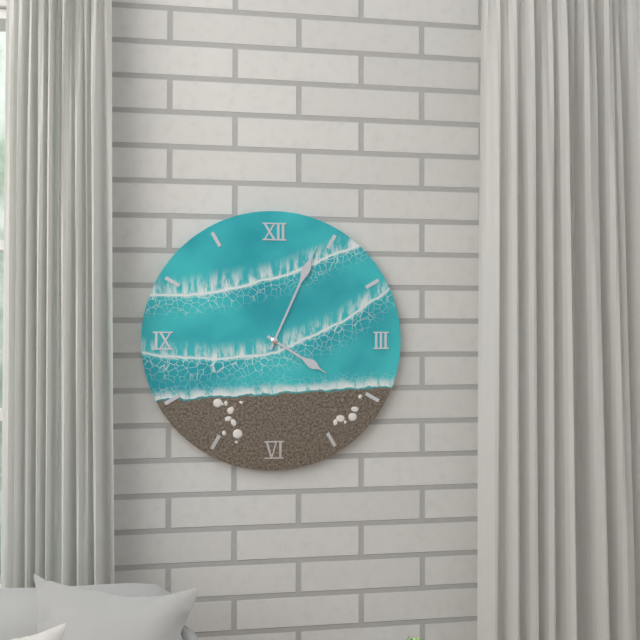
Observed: 4 h 04 min
